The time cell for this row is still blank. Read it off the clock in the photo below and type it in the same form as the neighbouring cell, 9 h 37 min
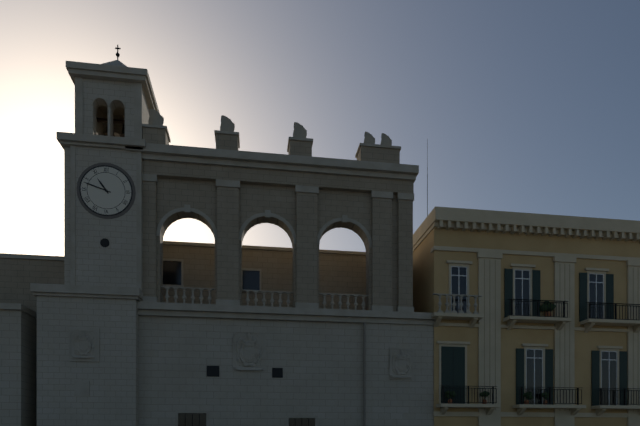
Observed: 10 h 48 min
